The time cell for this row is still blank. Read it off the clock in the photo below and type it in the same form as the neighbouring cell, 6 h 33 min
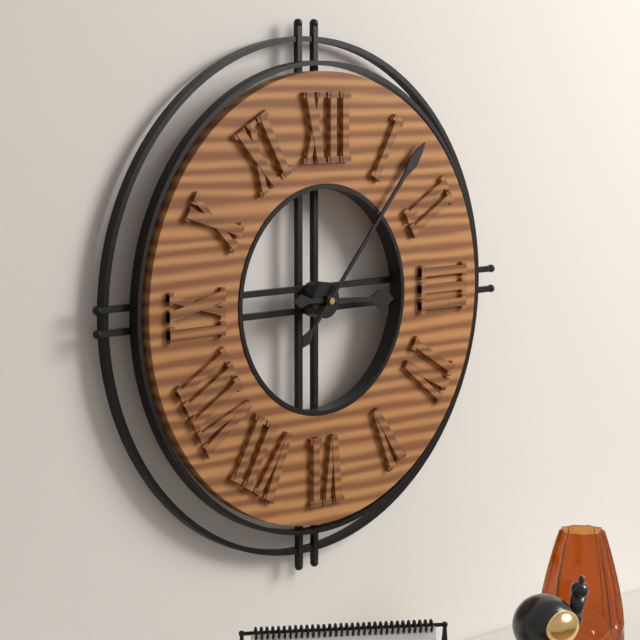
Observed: 3 h 07 min
